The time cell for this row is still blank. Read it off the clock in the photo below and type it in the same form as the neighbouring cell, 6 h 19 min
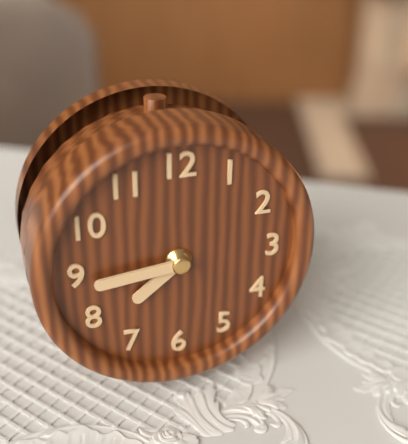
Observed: 7 h 44 min
